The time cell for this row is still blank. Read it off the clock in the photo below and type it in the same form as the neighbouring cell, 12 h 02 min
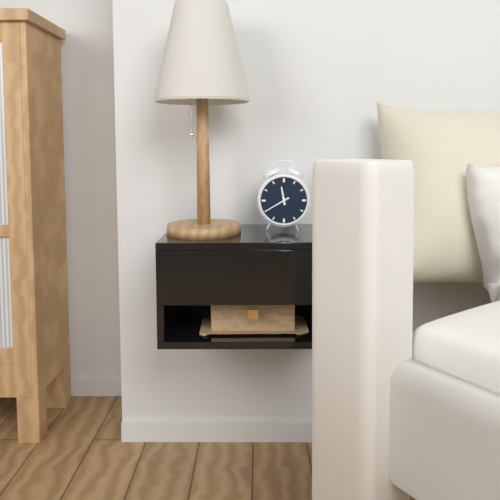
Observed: 11 h 40 min
